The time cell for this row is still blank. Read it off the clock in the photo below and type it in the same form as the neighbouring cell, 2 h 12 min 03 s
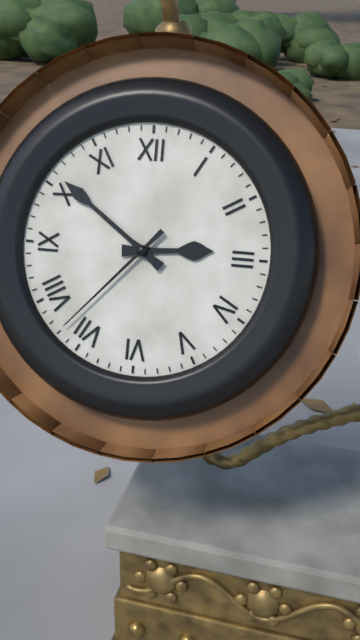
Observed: 2 h 51 min 37 s
